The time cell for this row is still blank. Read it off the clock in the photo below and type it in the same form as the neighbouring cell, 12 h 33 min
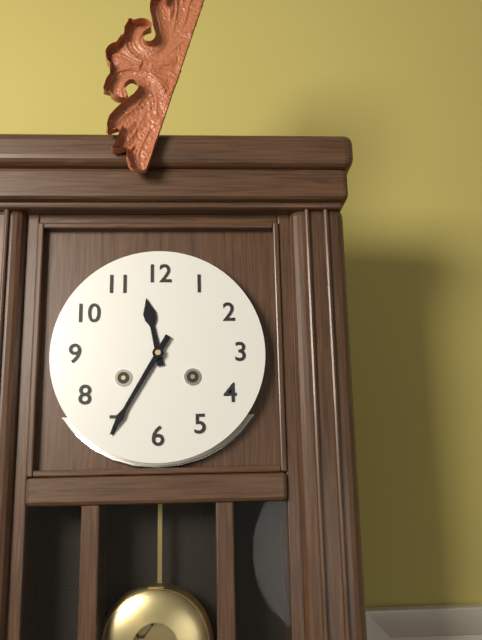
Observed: 11 h 35 min
